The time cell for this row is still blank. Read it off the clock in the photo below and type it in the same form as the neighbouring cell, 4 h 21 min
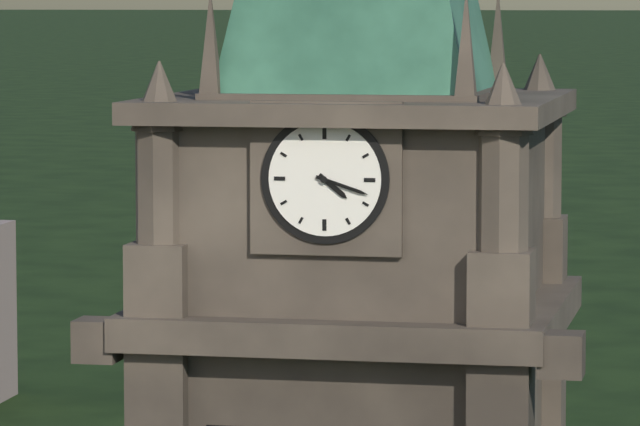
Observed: 4 h 18 min
